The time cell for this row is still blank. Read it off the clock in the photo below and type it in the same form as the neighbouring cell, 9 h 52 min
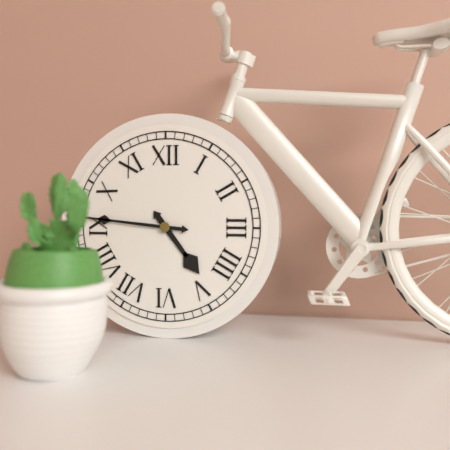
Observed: 4 h 46 min
